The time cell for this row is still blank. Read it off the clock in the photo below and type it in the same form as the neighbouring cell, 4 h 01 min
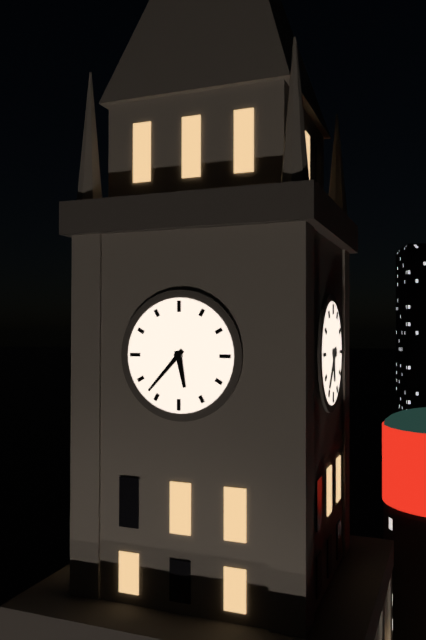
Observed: 5 h 37 min
